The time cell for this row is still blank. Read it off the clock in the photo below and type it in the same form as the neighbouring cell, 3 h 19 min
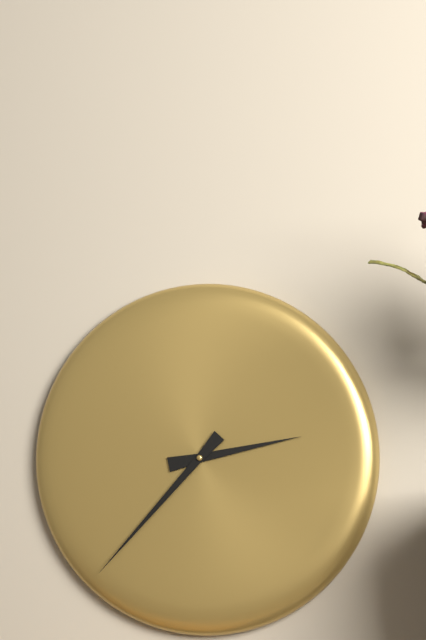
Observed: 2 h 37 min
